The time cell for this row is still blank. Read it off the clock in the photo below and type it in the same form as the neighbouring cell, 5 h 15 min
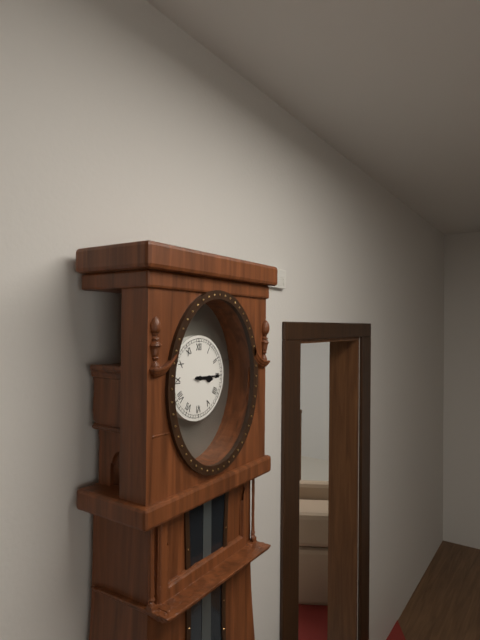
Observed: 3 h 15 min
